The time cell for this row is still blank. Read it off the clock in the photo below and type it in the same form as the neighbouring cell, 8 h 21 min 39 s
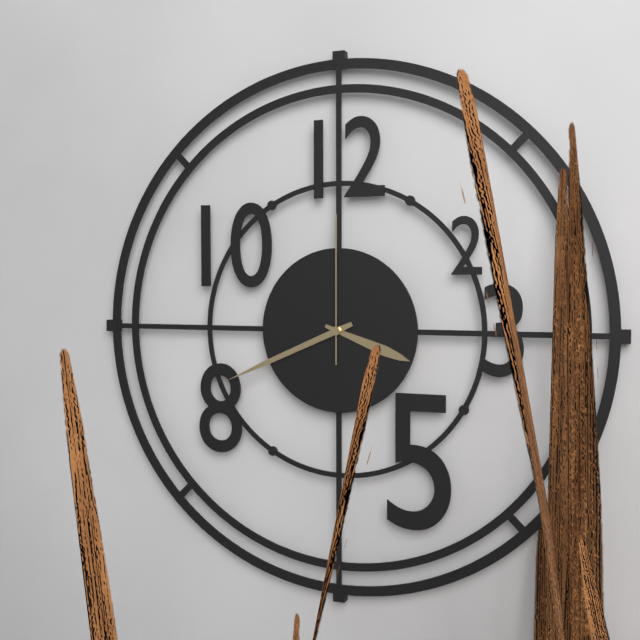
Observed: 3 h 41 min 00 s
